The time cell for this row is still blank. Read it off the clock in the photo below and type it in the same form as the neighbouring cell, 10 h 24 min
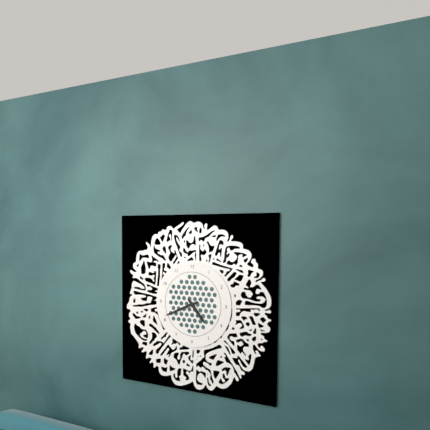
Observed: 4 h 41 min
